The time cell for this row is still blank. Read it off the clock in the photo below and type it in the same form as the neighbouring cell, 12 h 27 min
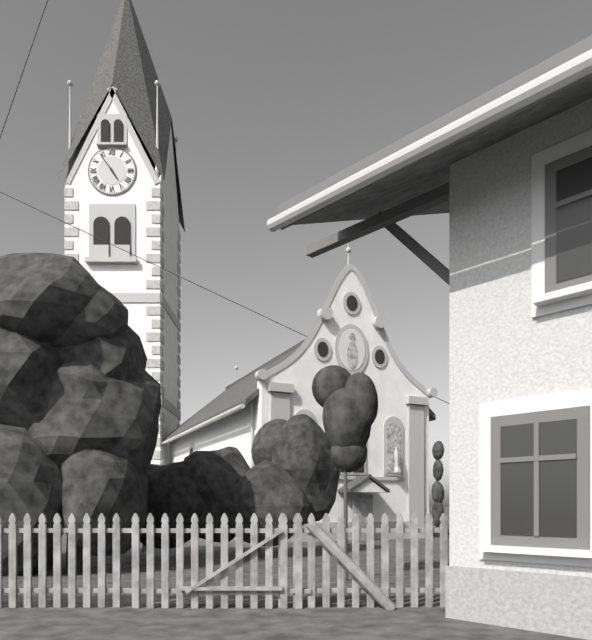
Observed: 4 h 54 min
